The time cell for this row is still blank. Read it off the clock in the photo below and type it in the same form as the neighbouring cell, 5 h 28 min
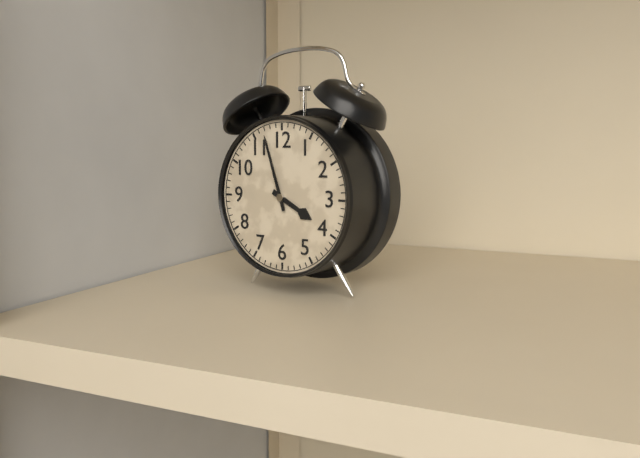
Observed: 3 h 57 min
